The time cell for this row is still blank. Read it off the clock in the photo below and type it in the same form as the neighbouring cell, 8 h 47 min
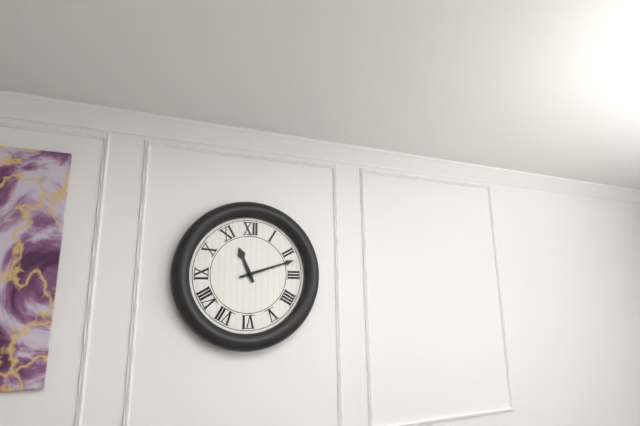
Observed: 11 h 12 min
